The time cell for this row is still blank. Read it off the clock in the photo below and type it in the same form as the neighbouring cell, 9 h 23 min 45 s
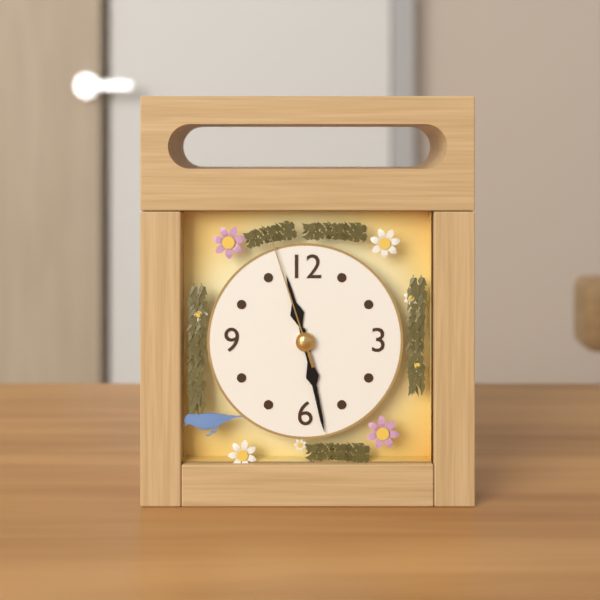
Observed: 11 h 28 min 57 s
